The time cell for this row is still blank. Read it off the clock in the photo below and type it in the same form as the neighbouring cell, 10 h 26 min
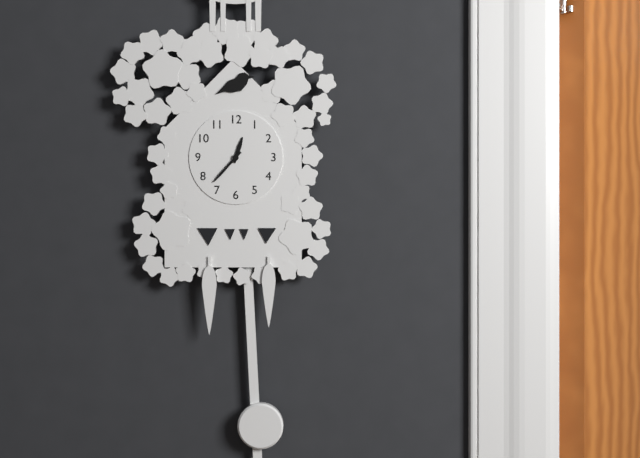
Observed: 12 h 37 min
